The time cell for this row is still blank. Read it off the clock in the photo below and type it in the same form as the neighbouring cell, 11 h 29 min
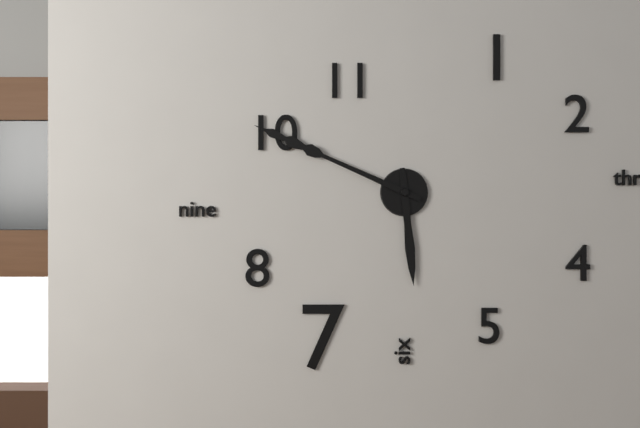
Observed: 5 h 49 min
